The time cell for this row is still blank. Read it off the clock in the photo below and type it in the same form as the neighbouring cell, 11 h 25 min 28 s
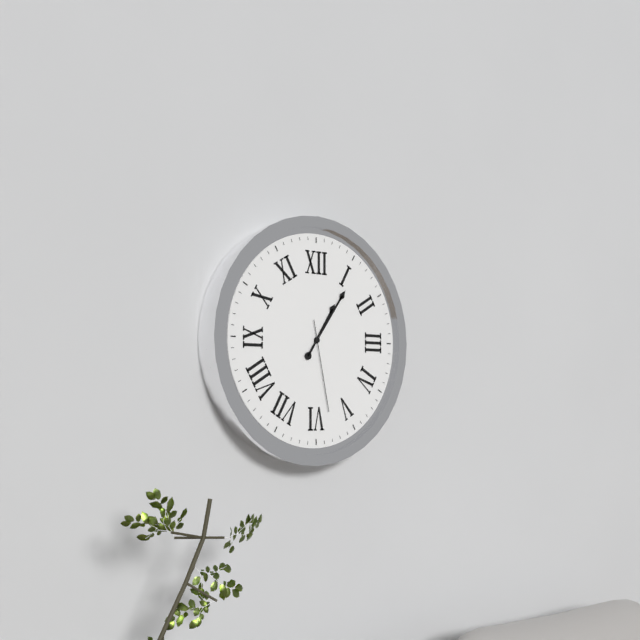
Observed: 1 h 06 min 28 s
